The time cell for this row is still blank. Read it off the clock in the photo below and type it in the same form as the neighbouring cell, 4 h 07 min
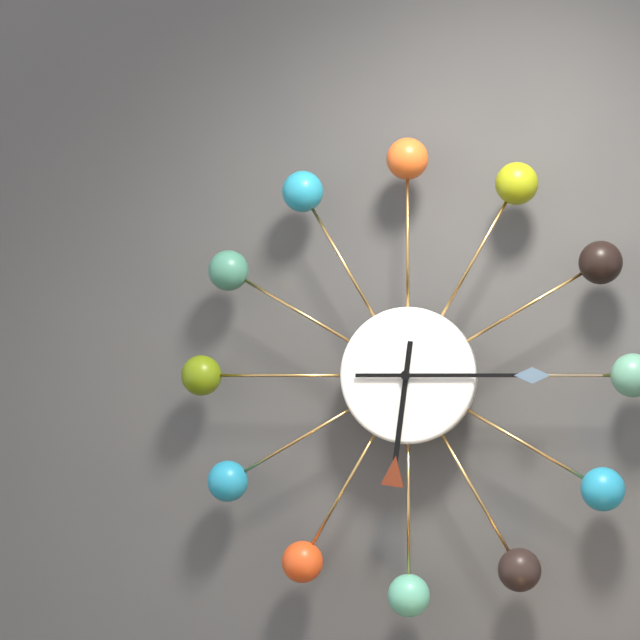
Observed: 6 h 15 min
